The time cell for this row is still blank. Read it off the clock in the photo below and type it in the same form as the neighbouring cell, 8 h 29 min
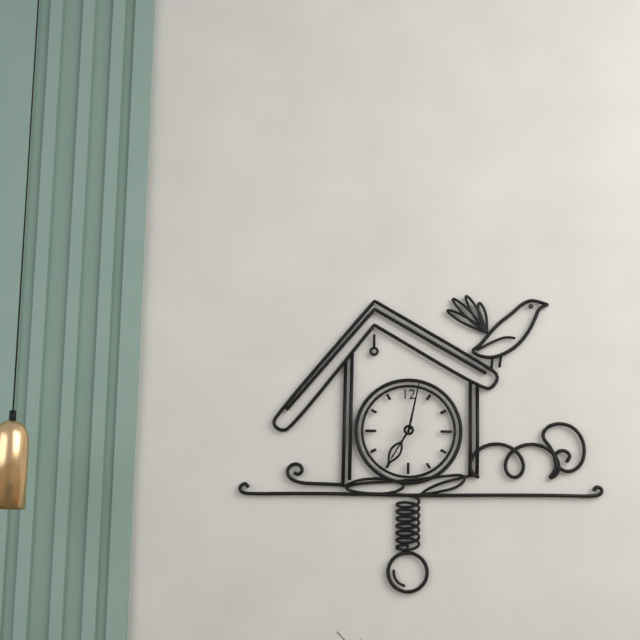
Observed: 7 h 02 min
